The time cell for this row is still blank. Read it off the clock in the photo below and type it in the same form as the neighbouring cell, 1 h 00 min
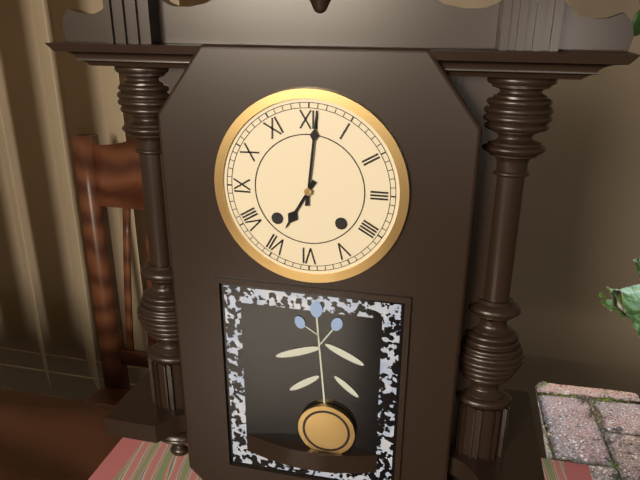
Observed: 7 h 01 min
